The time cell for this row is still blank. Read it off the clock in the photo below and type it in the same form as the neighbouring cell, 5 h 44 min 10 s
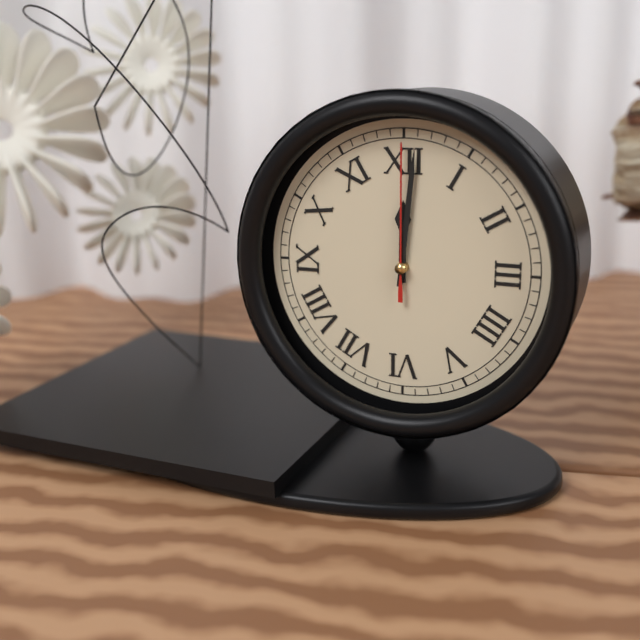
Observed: 12 h 01 min 00 s
